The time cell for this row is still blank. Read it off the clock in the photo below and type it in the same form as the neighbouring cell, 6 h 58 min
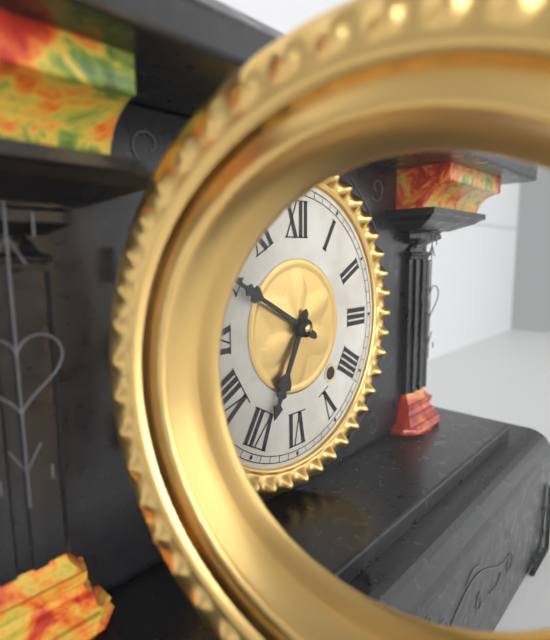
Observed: 6 h 50 min
